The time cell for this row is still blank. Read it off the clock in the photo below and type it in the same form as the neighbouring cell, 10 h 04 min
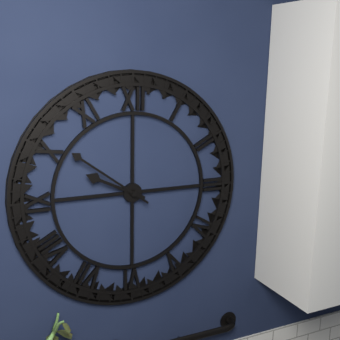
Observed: 9 h 51 min
